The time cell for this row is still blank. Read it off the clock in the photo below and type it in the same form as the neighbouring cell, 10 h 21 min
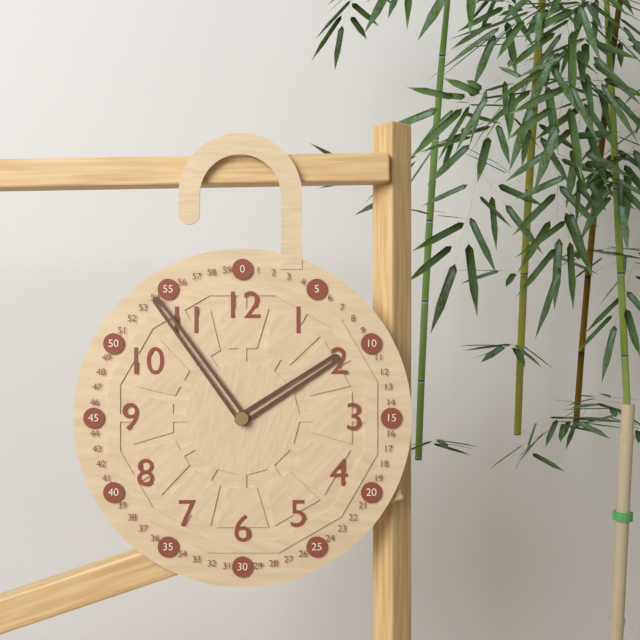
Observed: 1 h 54 min
